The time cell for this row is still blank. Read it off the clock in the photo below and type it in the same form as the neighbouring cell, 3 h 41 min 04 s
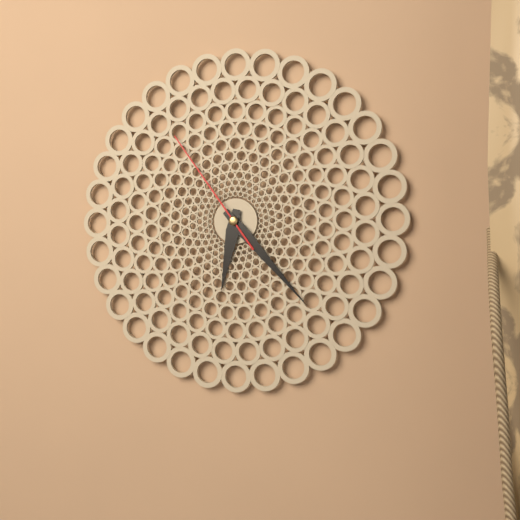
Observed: 6 h 23 min 54 s
